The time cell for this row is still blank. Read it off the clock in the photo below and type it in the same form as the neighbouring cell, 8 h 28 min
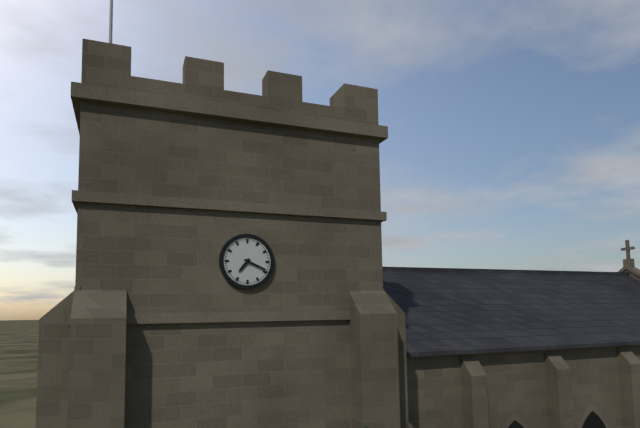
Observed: 7 h 19 min
